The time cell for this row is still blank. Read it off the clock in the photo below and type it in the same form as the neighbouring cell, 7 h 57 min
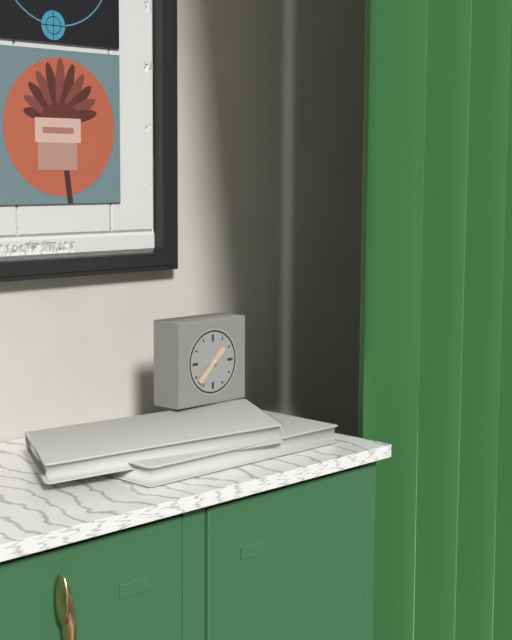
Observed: 1 h 38 min
